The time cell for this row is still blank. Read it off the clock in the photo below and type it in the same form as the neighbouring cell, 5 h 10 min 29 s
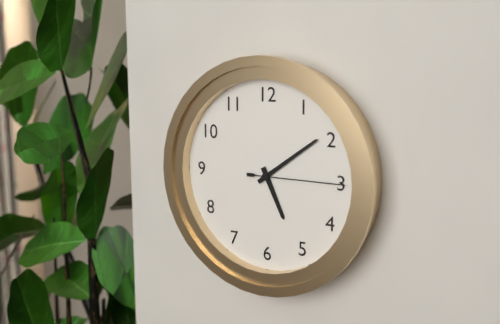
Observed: 5 h 09 min 15 s
